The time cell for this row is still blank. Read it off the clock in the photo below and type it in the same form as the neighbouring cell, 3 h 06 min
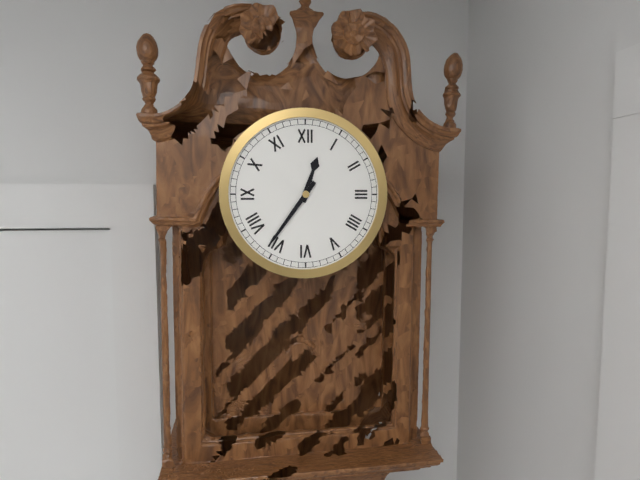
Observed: 12 h 36 min
